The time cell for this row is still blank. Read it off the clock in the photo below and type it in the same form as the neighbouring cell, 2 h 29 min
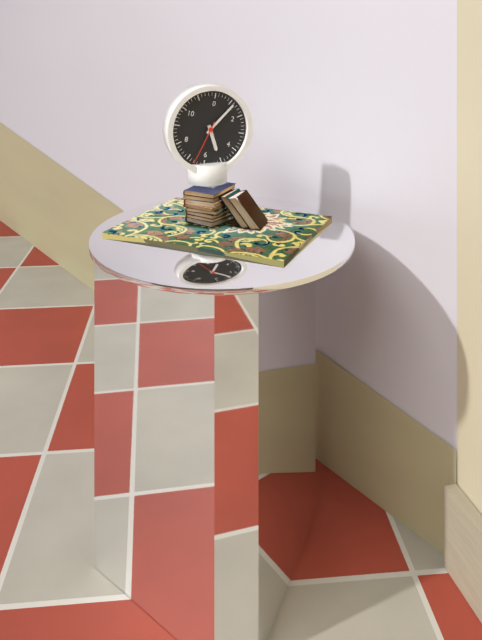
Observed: 5 h 06 min
